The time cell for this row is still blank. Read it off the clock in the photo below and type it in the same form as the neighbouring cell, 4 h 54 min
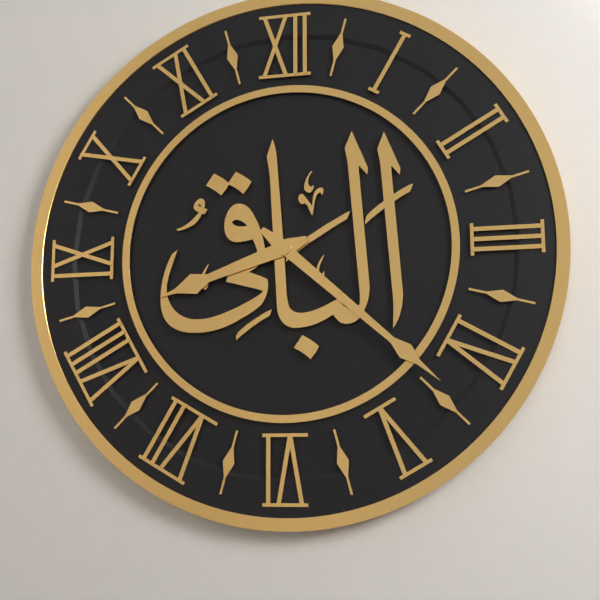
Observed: 8 h 22 min
